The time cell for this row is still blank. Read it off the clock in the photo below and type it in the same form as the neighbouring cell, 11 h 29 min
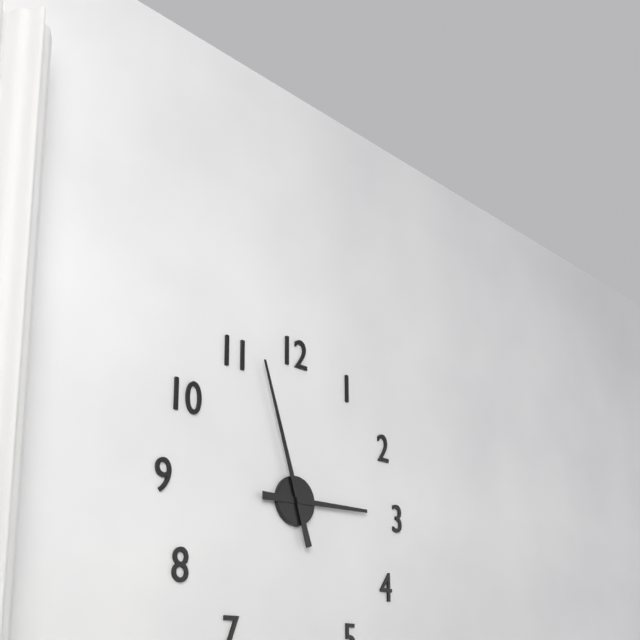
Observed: 2 h 57 min
